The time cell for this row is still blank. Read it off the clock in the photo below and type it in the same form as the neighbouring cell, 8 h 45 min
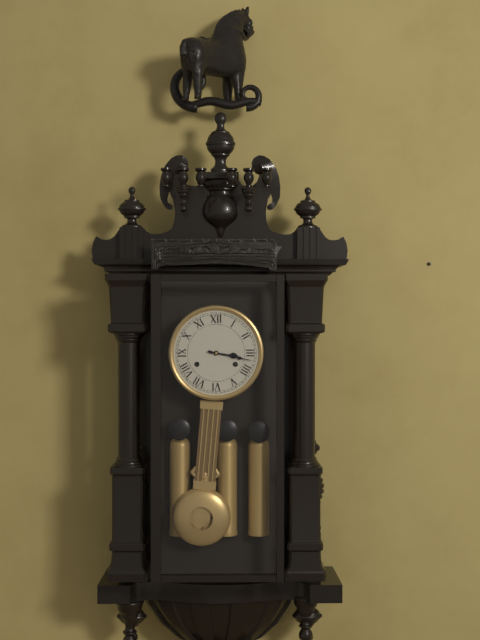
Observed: 3 h 17 min
